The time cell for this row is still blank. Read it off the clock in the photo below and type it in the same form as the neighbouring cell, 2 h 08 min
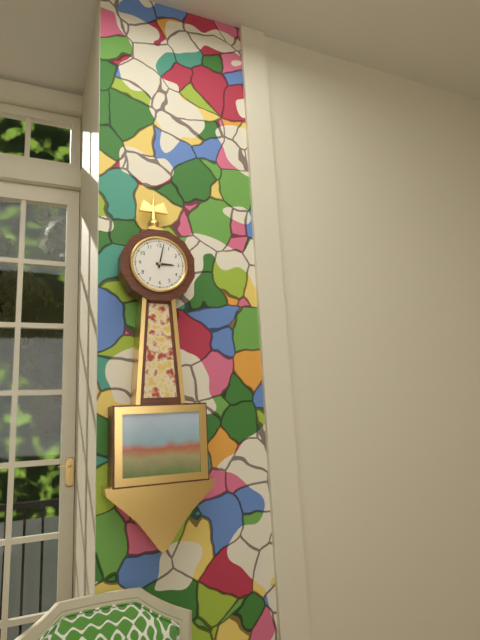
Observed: 3 h 02 min
